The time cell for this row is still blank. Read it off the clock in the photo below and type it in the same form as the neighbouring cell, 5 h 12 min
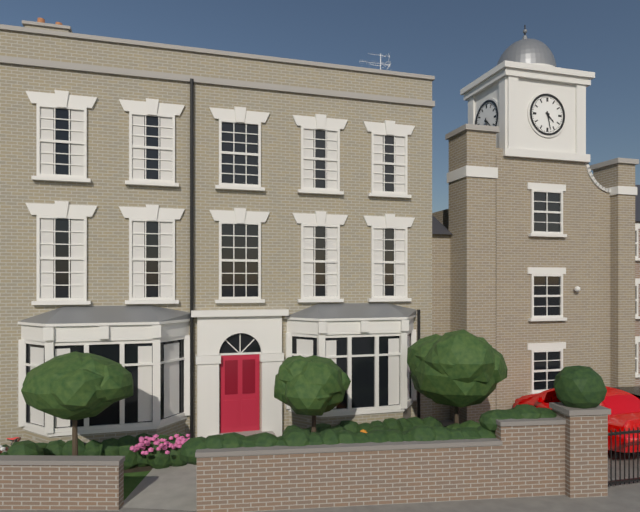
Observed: 4 h 28 min
